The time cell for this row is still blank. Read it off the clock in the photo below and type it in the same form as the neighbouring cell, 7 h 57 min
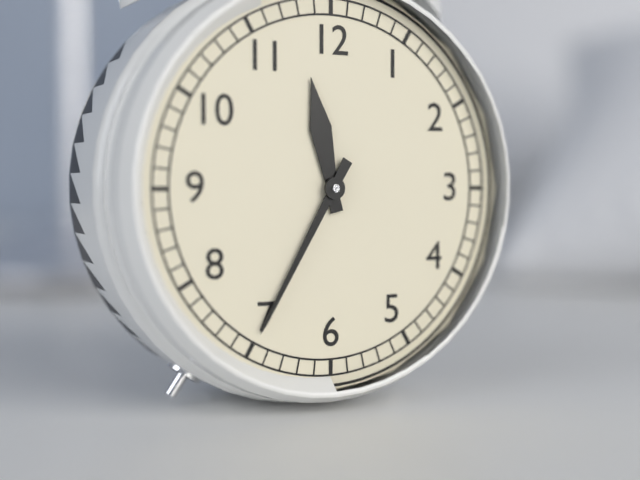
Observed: 11 h 35 min
